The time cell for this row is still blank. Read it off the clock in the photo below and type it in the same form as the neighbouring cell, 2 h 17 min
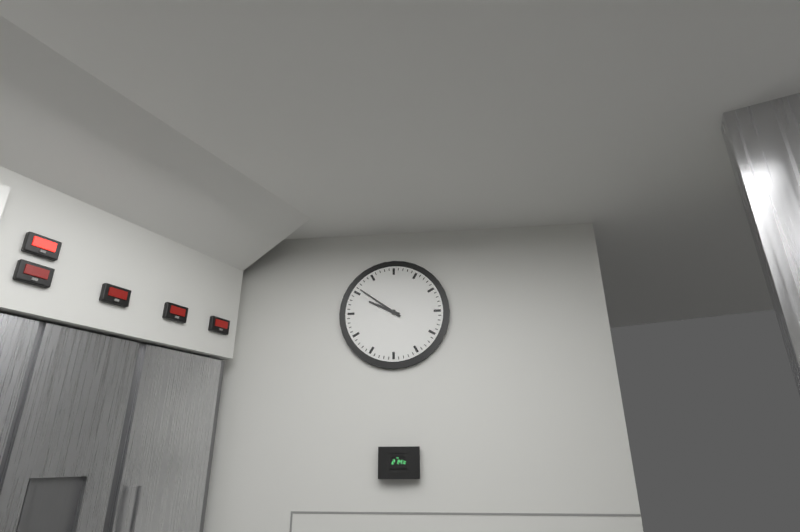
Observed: 9 h 51 min
